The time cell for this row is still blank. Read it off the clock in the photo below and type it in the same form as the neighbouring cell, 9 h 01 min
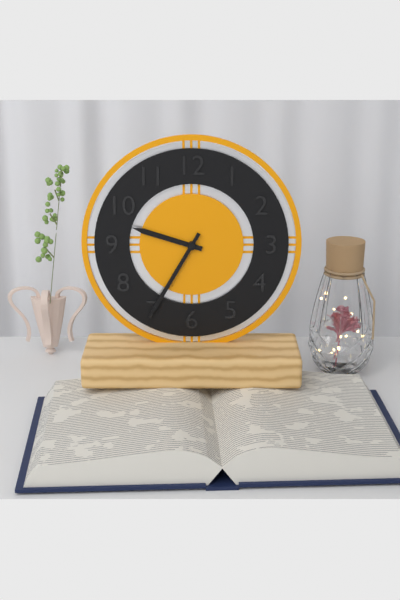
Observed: 9 h 35 min
